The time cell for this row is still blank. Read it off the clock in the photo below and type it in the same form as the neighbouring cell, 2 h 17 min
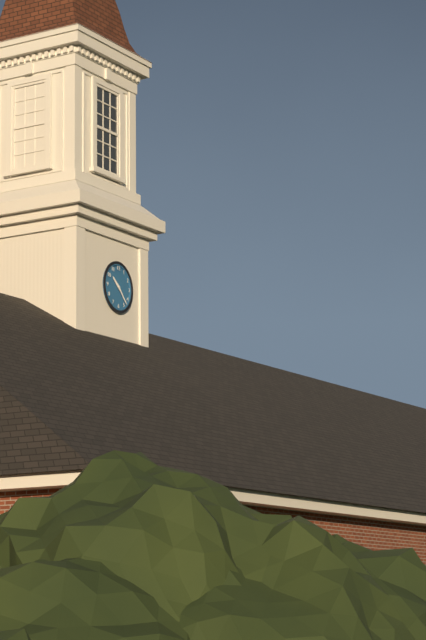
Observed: 10 h 23 min
